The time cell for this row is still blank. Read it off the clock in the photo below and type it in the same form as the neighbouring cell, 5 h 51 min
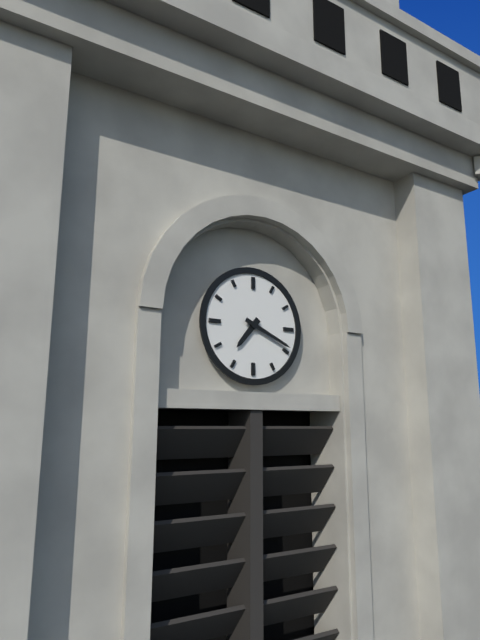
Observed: 7 h 19 min
